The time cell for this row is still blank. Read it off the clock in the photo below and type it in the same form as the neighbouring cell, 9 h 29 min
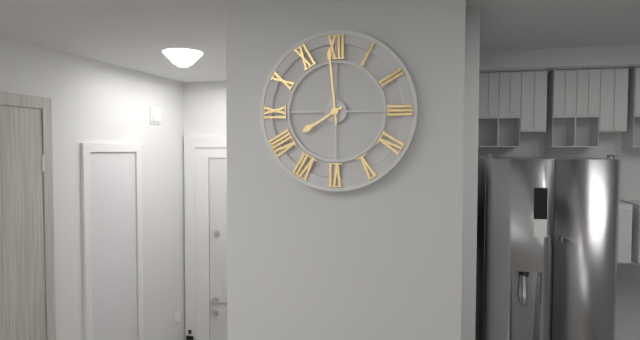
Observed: 7 h 59 min
